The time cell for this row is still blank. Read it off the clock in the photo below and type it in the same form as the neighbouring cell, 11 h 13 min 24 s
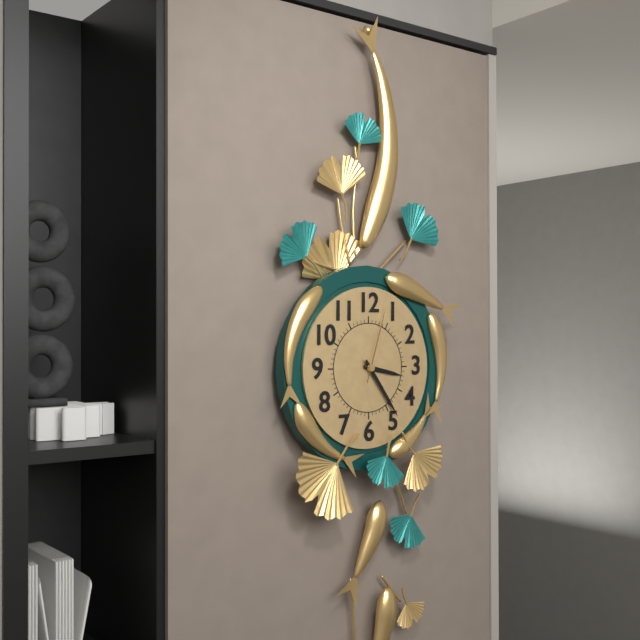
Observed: 3 h 24 min 03 s
